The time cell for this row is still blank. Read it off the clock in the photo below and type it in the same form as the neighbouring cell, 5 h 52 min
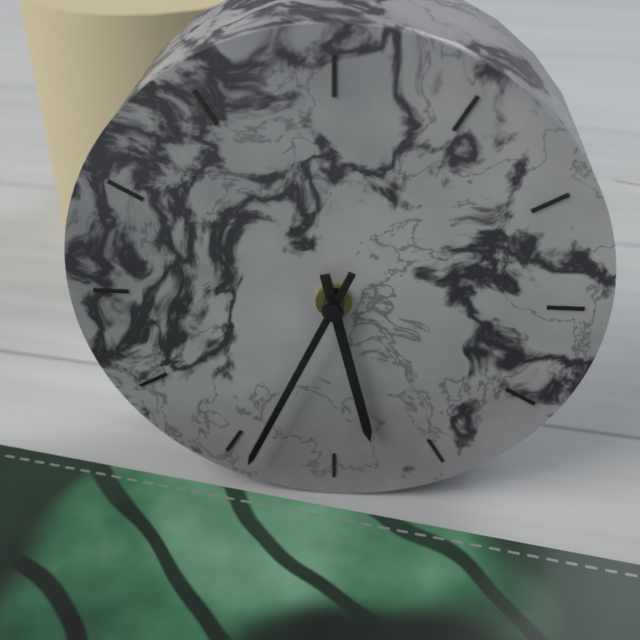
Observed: 5 h 34 min
